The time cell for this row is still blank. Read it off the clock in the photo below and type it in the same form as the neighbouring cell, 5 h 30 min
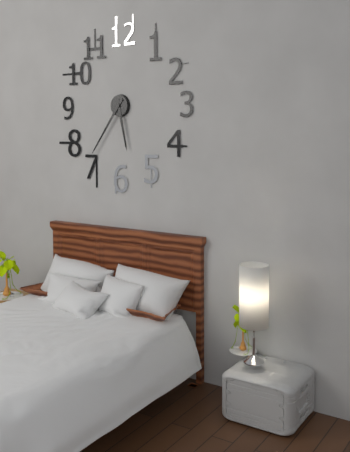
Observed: 5 h 36 min
